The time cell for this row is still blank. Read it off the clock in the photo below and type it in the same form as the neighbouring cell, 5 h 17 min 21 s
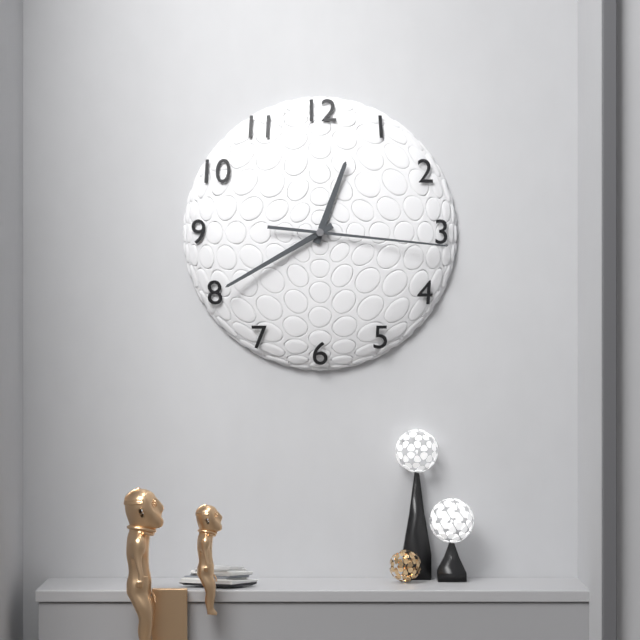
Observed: 12 h 40 min 16 s
